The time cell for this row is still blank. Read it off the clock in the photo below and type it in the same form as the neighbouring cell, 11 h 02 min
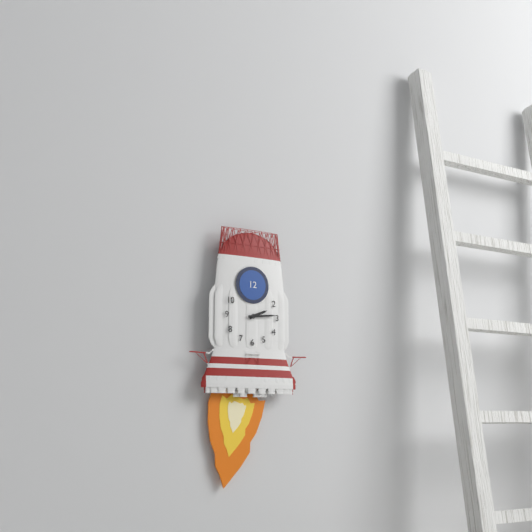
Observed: 2 h 14 min
